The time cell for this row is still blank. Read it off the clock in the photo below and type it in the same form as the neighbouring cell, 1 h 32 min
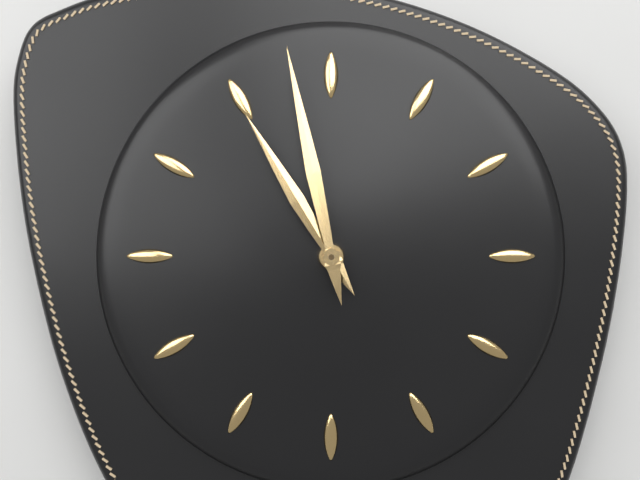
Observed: 10 h 58 min
